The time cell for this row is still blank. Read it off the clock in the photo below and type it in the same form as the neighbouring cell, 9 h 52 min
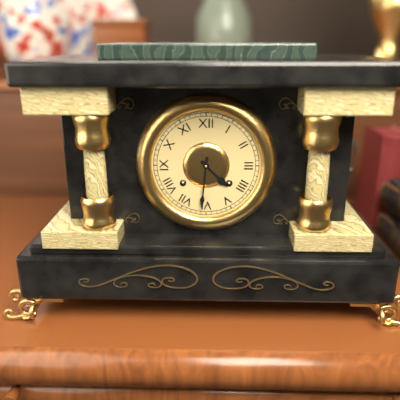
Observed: 4 h 31 min
